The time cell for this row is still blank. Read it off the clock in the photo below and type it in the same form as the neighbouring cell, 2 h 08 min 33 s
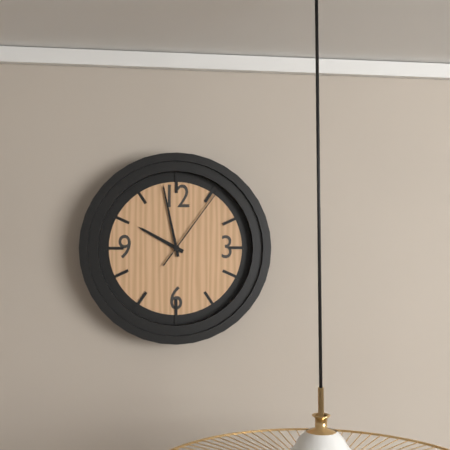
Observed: 9 h 58 min 06 s
